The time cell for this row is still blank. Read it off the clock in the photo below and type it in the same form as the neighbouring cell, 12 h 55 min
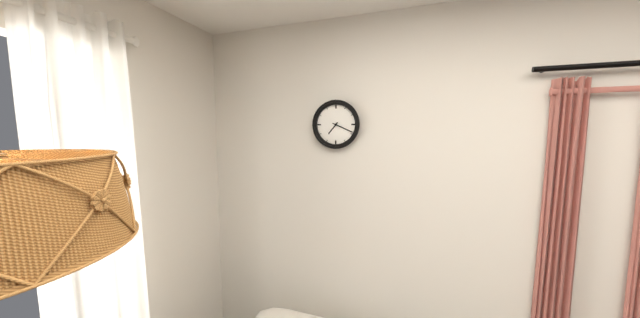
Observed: 7 h 19 min
